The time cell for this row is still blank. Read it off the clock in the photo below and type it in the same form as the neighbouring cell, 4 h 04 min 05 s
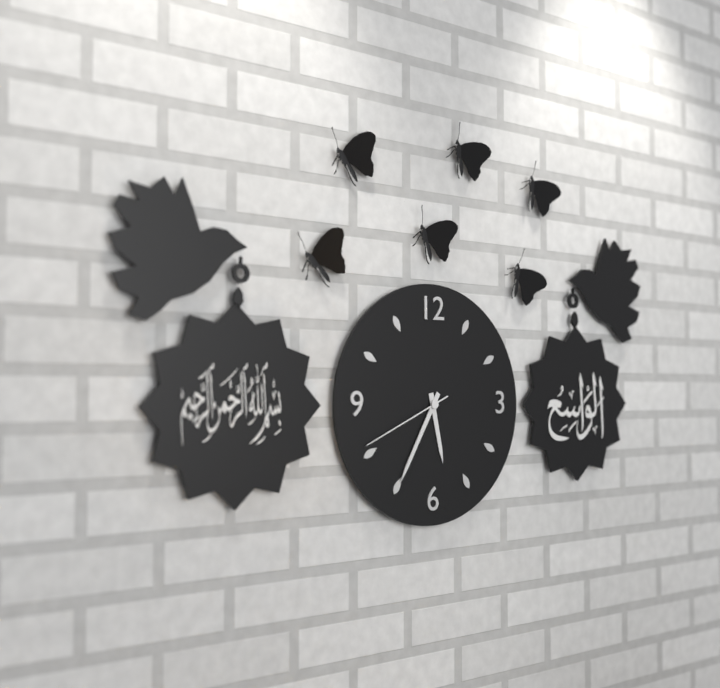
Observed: 5 h 35 min 41 s
